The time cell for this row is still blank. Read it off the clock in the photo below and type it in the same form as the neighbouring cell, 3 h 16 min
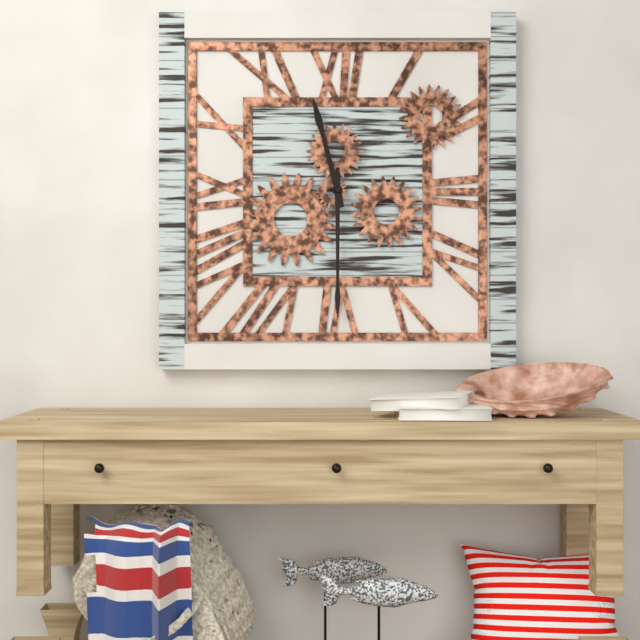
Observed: 11 h 30 min
